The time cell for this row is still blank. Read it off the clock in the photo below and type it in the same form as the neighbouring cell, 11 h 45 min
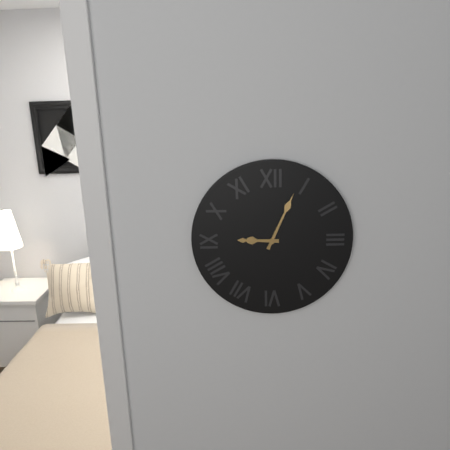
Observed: 9 h 04 min
